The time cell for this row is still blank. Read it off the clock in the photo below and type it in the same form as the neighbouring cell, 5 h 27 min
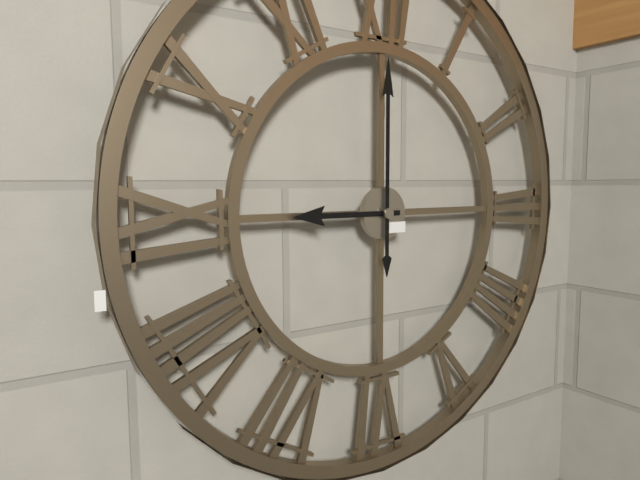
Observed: 9 h 00 min
